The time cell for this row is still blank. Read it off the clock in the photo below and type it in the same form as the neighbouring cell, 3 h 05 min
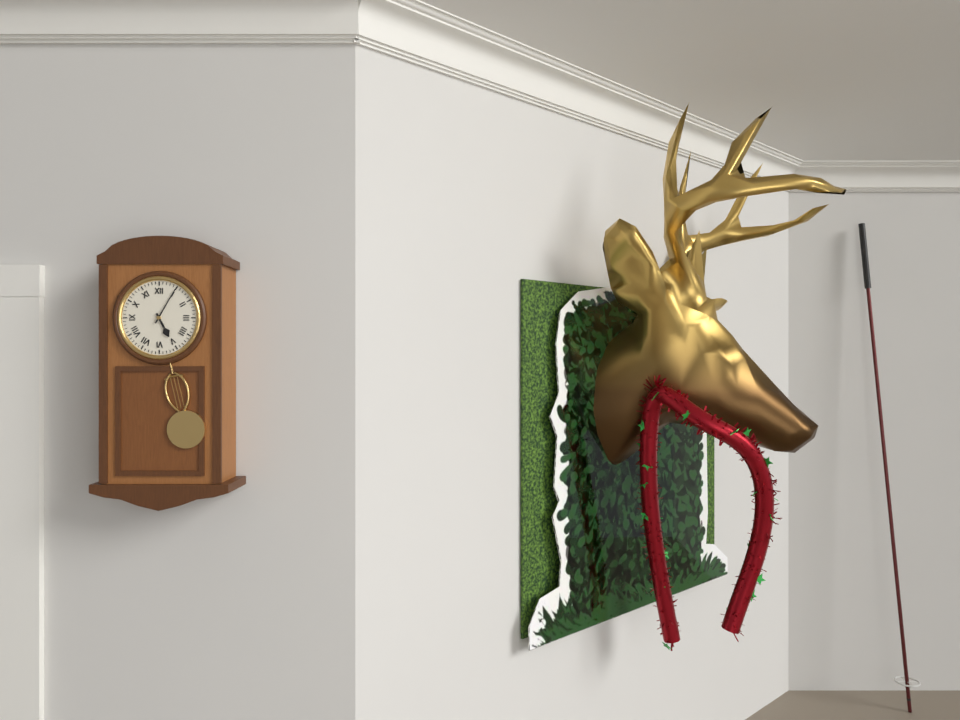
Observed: 5 h 05 min
